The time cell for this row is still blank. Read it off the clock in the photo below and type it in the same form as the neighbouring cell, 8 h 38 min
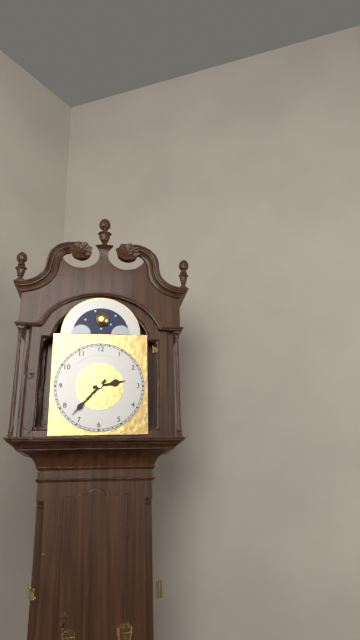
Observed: 2 h 37 min
